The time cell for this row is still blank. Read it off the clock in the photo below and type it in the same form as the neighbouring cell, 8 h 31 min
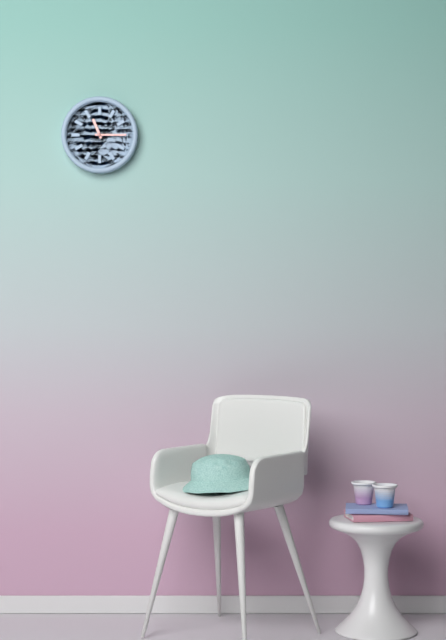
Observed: 11 h 15 min
